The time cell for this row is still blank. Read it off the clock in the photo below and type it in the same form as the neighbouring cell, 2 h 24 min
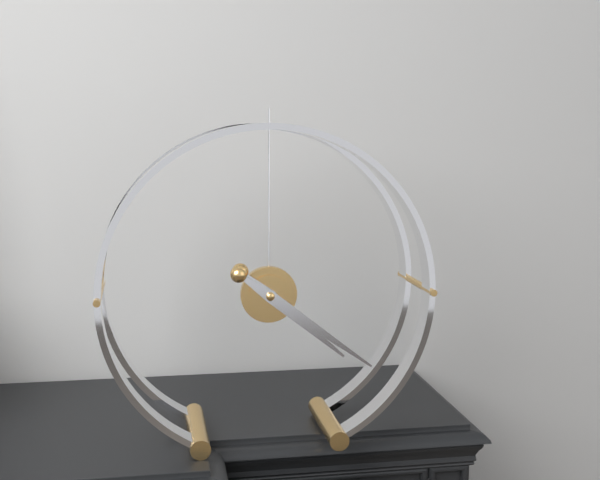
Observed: 4 h 21 min
